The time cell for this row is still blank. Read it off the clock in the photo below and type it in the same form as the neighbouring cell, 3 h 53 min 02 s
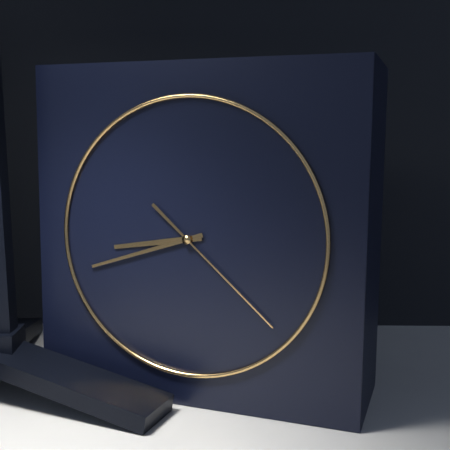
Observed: 8 h 42 min 22 s
